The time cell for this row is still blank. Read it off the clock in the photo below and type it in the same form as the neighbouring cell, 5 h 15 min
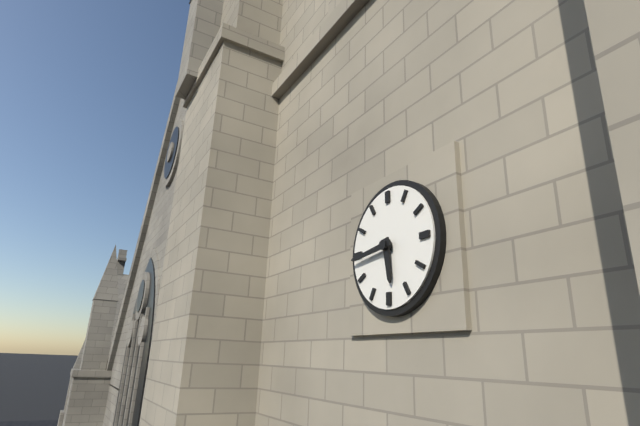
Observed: 5 h 44 min
